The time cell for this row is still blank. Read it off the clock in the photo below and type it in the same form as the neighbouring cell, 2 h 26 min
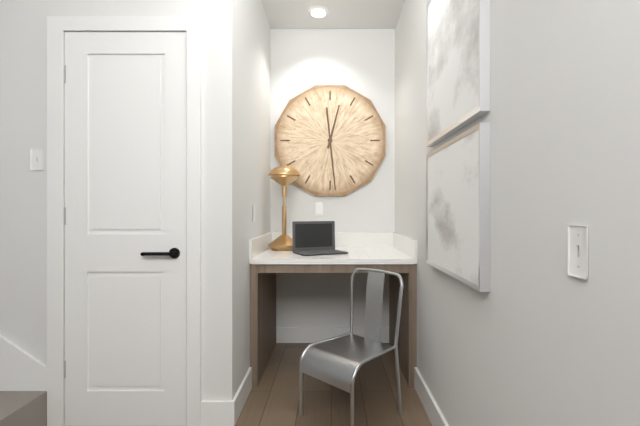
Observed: 12 h 29 min
